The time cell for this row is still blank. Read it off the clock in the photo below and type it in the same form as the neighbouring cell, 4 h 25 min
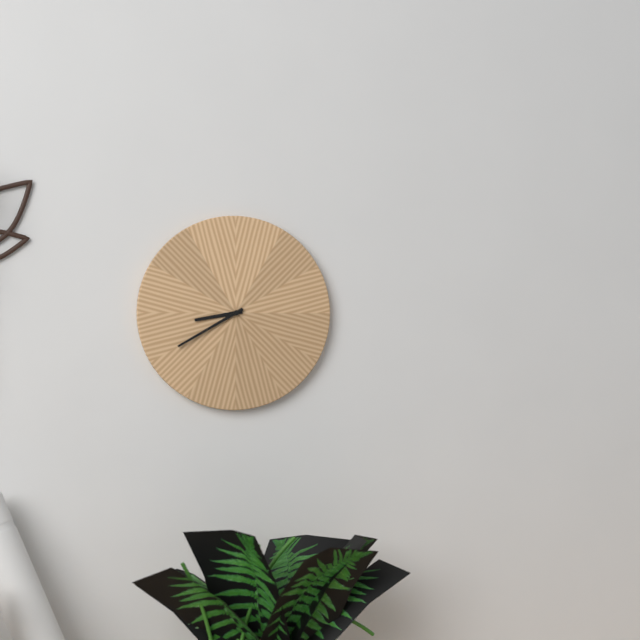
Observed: 8 h 40 min
